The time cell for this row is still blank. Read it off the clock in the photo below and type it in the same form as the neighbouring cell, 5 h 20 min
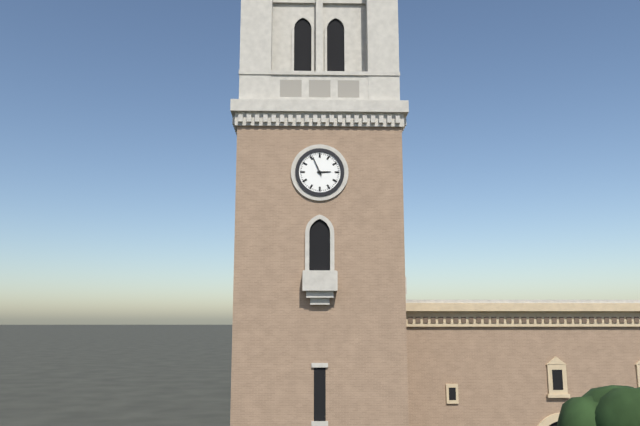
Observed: 2 h 56 min
